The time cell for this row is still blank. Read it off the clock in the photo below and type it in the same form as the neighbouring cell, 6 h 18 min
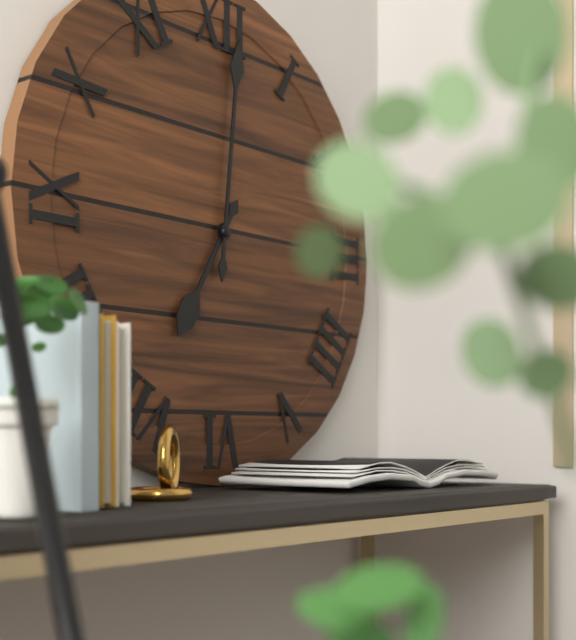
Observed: 7 h 01 min
